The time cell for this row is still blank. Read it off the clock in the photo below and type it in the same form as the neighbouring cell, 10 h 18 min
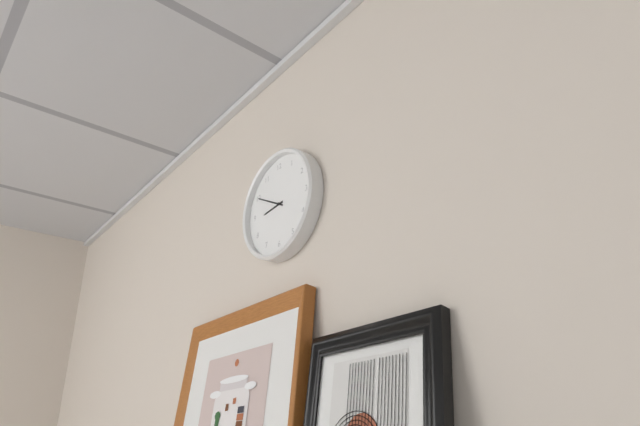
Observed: 8 h 50 min
